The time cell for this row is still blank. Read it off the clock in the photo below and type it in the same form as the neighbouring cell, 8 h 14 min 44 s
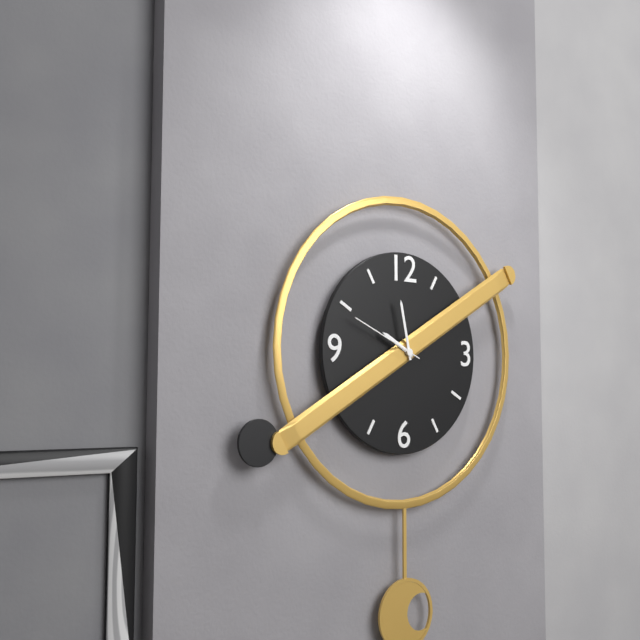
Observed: 9 h 58 min 49 s
